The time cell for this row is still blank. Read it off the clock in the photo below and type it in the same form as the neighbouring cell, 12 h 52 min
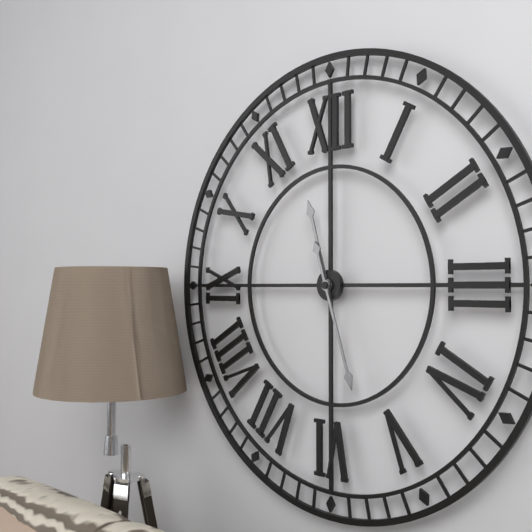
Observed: 11 h 27 min
